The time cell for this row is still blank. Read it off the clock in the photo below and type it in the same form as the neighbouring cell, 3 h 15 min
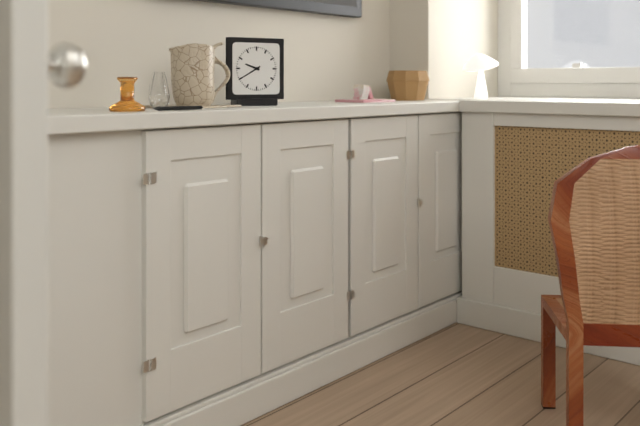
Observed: 9 h 40 min
